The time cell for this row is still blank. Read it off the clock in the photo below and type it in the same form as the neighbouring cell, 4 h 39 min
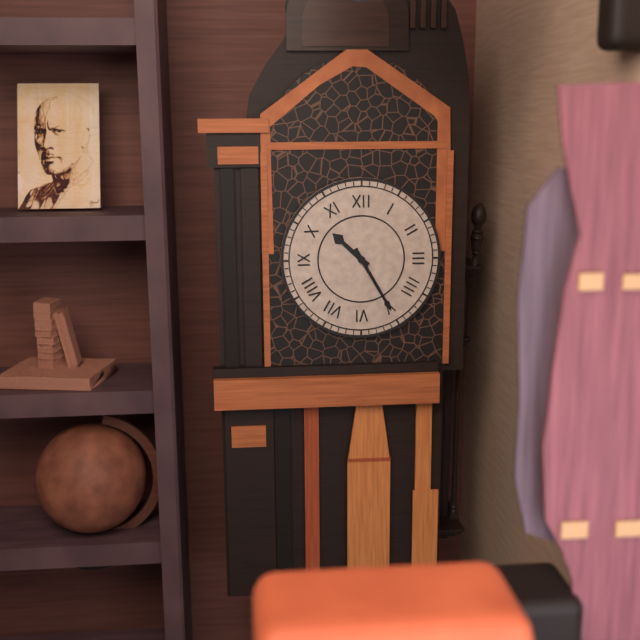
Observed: 10 h 25 min
